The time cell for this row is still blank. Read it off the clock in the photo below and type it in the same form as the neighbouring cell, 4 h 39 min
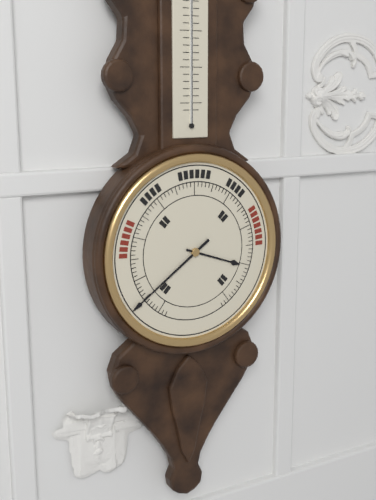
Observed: 3 h 39 min
